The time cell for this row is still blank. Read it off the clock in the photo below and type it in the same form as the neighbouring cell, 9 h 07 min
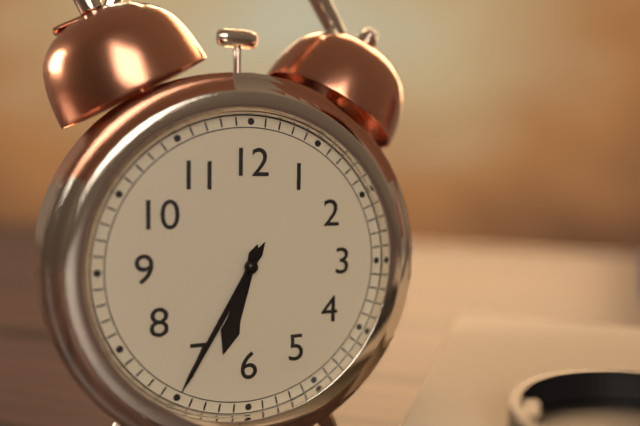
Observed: 6 h 35 min
